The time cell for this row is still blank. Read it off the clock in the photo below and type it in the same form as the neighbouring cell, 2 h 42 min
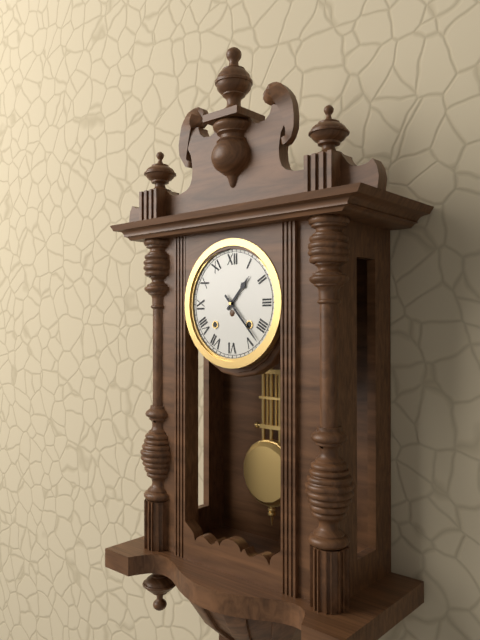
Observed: 1 h 23 min
